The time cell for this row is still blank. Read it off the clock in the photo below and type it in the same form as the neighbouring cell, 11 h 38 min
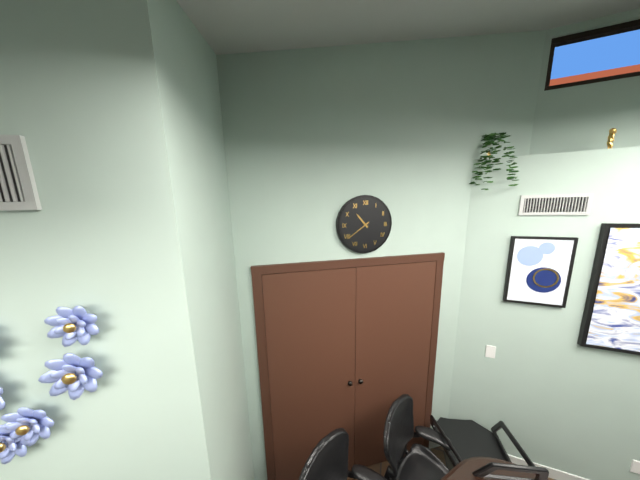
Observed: 10 h 39 min
